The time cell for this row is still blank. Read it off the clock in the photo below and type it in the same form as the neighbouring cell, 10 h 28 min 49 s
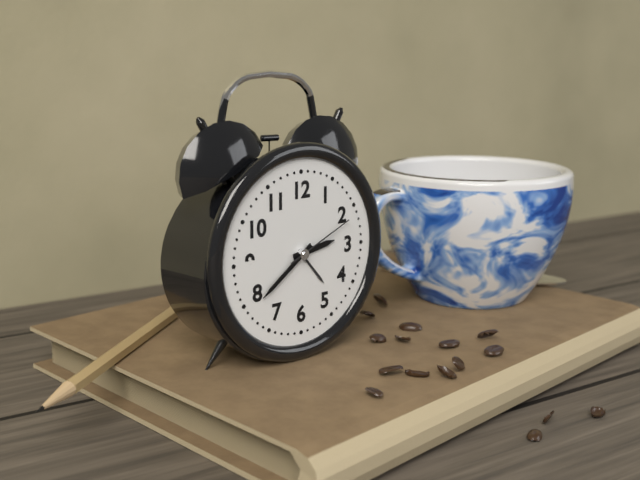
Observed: 2 h 39 min 11 s
